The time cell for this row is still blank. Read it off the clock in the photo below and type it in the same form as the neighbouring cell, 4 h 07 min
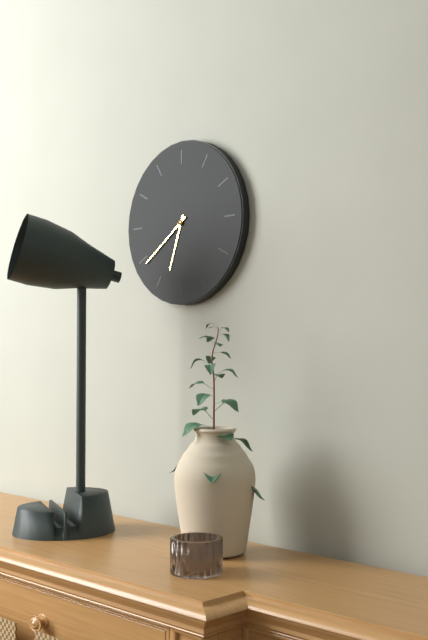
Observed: 6 h 39 min
